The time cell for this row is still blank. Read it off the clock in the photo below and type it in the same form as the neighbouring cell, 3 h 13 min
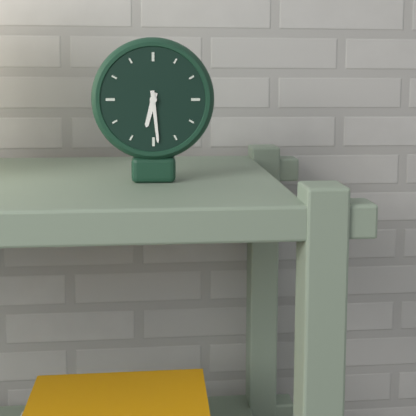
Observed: 6 h 29 min
